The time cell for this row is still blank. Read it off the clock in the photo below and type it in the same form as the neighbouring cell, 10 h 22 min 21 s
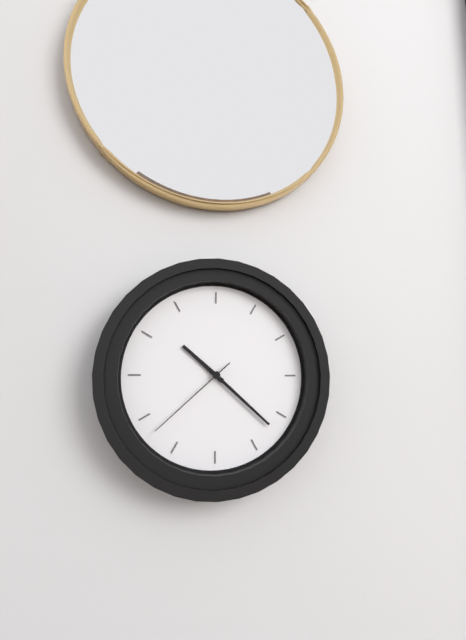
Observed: 10 h 22 min 38 s
